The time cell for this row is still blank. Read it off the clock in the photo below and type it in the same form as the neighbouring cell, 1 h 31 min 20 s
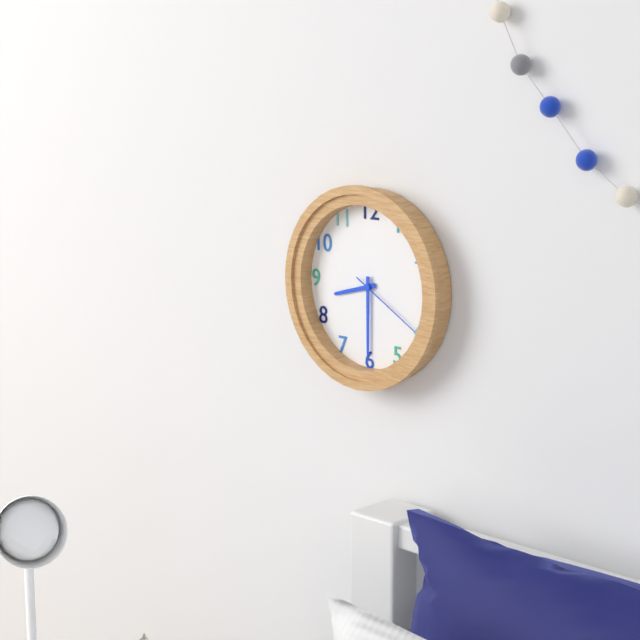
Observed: 8 h 30 min 20 s
